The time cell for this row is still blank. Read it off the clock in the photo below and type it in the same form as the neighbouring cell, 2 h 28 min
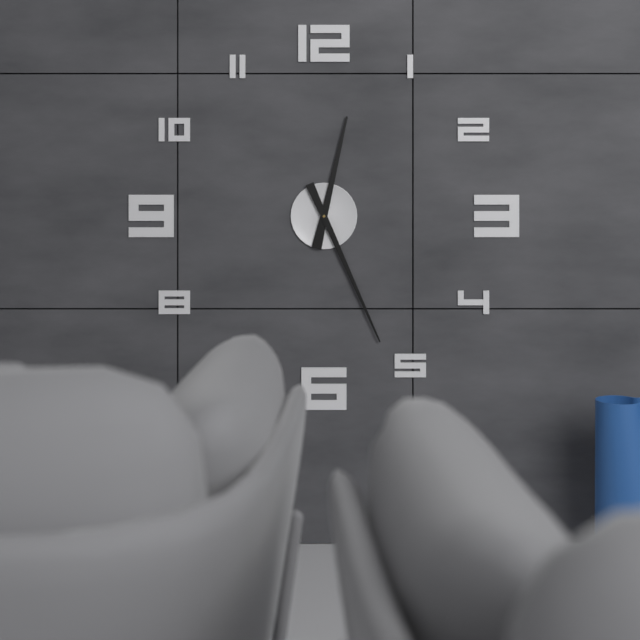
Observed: 12 h 26 min
